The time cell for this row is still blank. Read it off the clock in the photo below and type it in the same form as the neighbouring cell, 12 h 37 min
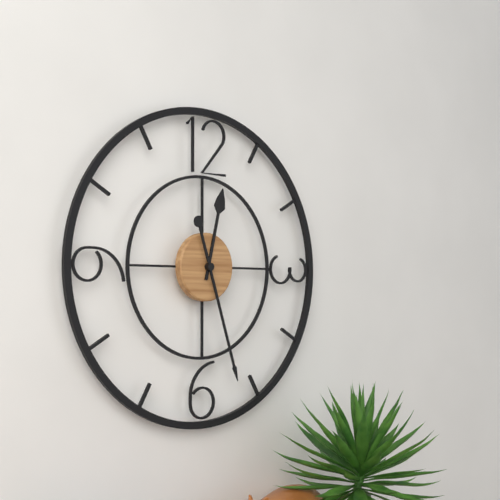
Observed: 12 h 27 min
